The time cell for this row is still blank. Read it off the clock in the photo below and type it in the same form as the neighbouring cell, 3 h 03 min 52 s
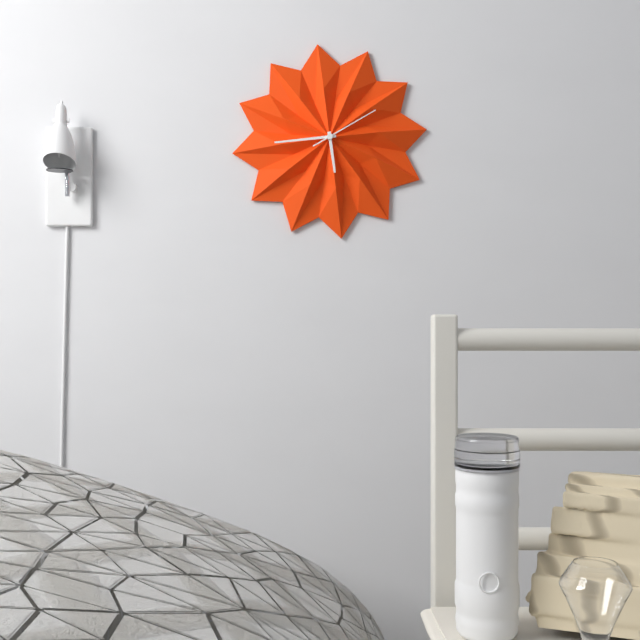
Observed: 5 h 44 min 10 s
